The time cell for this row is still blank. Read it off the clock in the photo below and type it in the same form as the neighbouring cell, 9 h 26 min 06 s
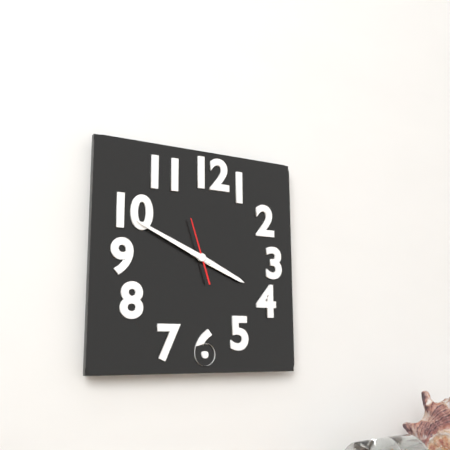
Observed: 3 h 49 min 57 s
